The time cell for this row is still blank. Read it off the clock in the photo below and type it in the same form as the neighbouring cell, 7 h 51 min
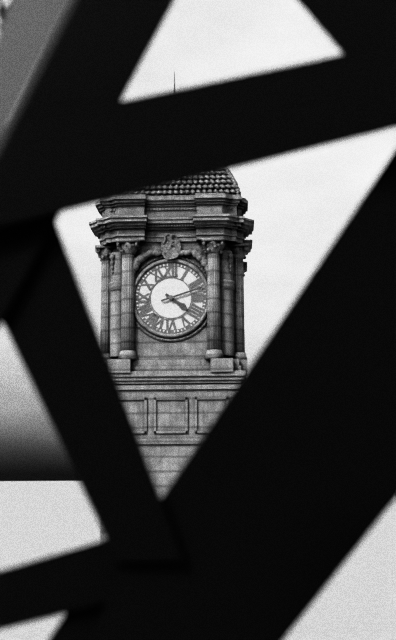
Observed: 4 h 12 min
